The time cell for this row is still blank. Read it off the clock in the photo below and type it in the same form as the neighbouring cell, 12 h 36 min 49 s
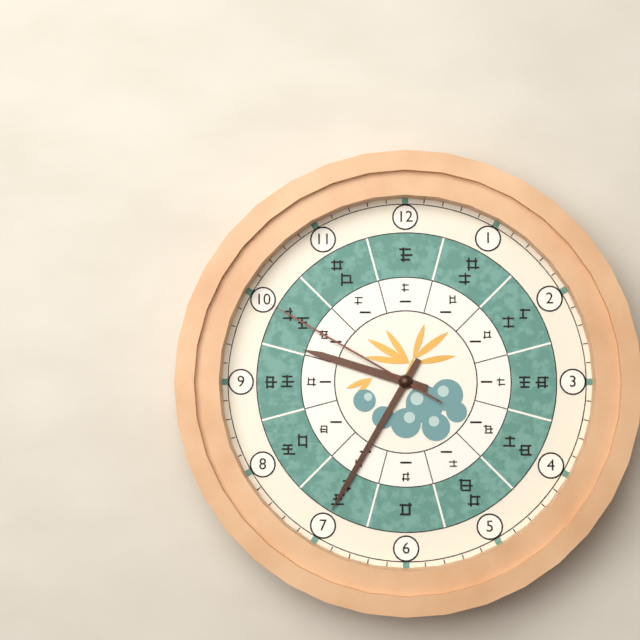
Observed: 9 h 35 min 50 s
